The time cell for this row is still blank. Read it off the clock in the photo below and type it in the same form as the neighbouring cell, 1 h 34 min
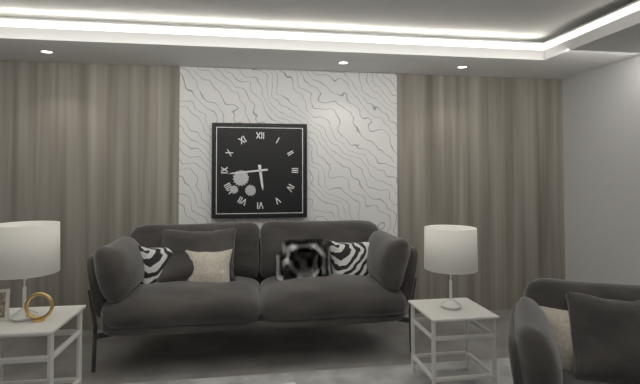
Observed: 5 h 44 min
